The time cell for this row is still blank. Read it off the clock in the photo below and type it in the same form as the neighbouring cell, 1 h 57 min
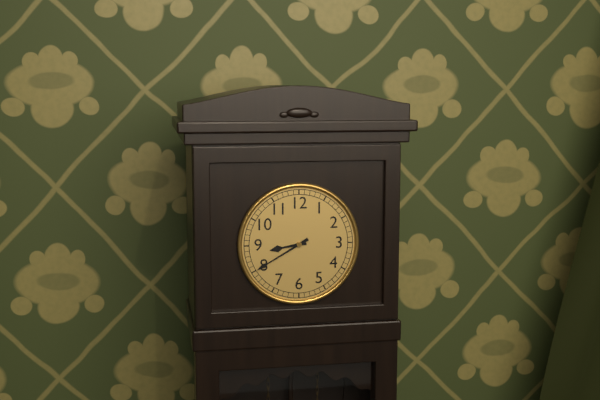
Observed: 8 h 40 min
